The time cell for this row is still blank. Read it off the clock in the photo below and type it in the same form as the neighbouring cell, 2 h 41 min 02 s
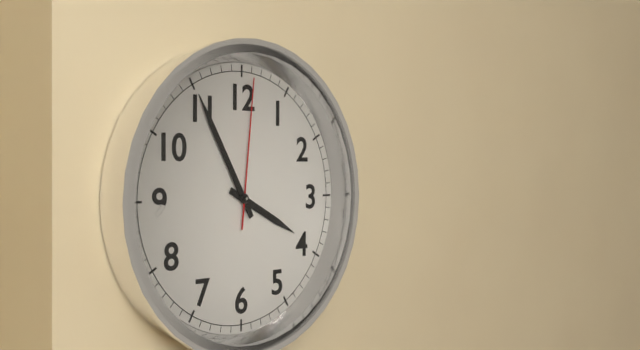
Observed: 3 h 55 min 01 s
